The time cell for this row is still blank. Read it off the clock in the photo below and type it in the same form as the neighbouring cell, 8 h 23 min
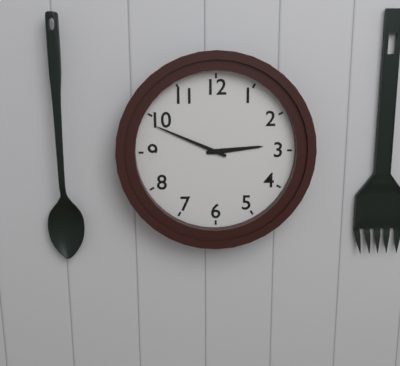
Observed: 2 h 49 min
